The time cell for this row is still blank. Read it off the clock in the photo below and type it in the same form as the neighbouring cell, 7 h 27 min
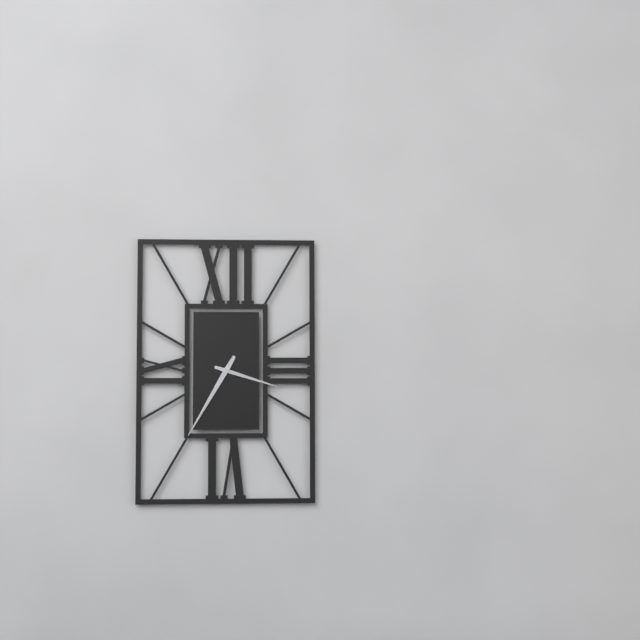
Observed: 3 h 35 min
